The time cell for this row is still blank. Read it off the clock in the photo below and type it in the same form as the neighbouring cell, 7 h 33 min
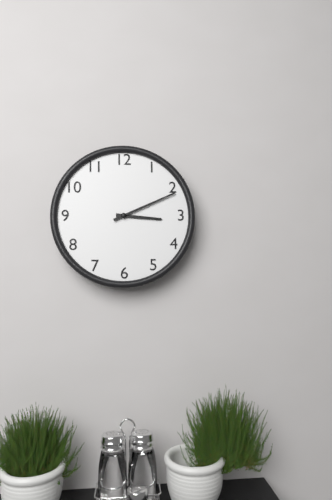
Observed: 3 h 11 min
